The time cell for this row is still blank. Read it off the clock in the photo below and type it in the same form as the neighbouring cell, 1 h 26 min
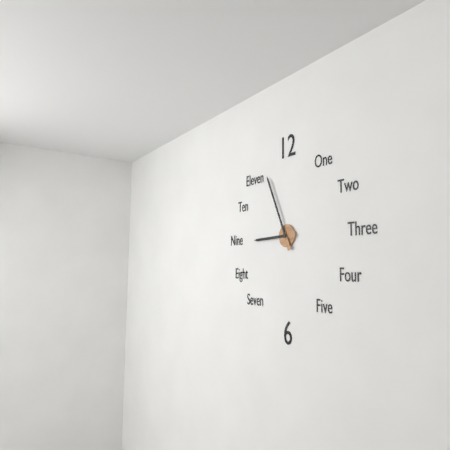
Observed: 8 h 56 min
